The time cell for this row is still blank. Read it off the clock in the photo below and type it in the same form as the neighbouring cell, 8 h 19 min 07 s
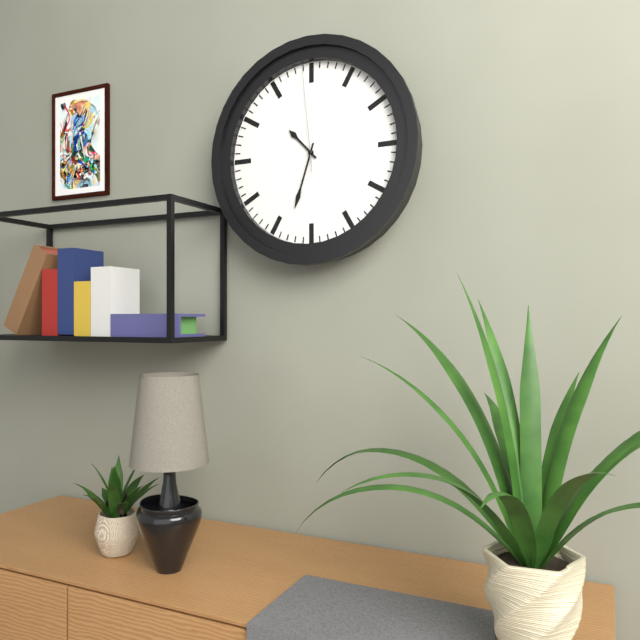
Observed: 10 h 33 min 59 s
